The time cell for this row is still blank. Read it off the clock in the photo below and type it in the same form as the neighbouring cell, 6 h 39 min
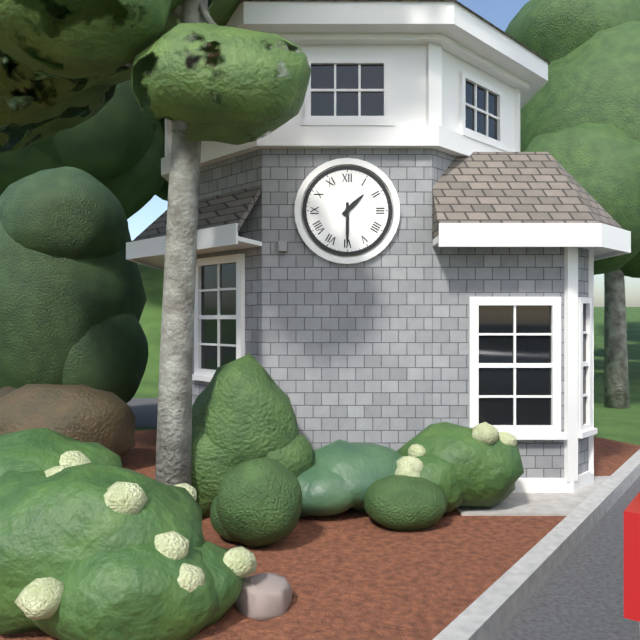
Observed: 1 h 30 min
